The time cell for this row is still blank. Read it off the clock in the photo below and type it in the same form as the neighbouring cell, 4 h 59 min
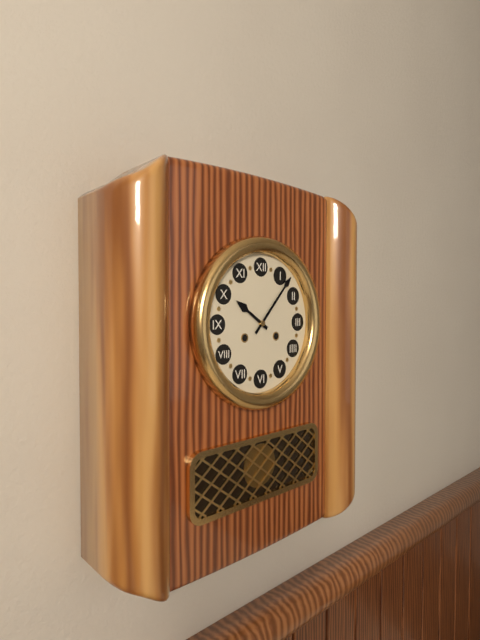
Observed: 10 h 07 min
